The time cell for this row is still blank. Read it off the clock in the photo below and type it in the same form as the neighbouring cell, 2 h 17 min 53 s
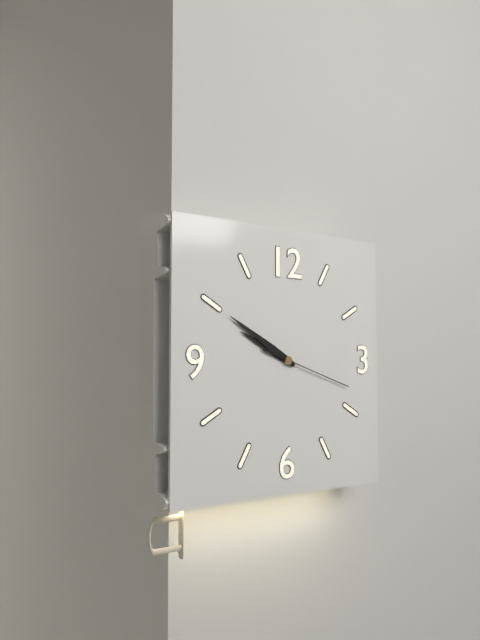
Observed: 9 h 50 min 18 s
